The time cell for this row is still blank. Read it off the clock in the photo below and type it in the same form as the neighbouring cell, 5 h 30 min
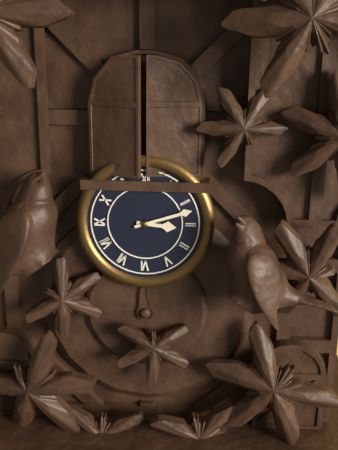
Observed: 3 h 12 min
